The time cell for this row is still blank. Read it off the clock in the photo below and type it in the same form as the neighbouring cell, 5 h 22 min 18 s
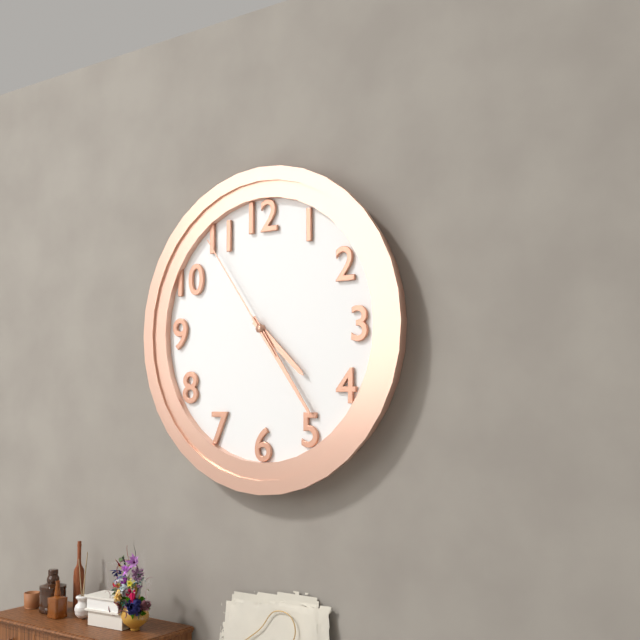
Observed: 4 h 24 min 54 s
